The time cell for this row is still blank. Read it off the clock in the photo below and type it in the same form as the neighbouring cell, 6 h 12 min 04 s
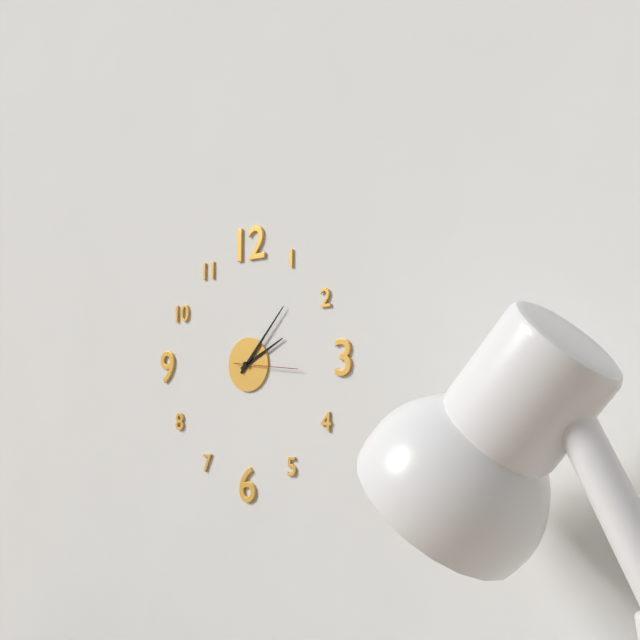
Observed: 2 h 07 min 16 s
